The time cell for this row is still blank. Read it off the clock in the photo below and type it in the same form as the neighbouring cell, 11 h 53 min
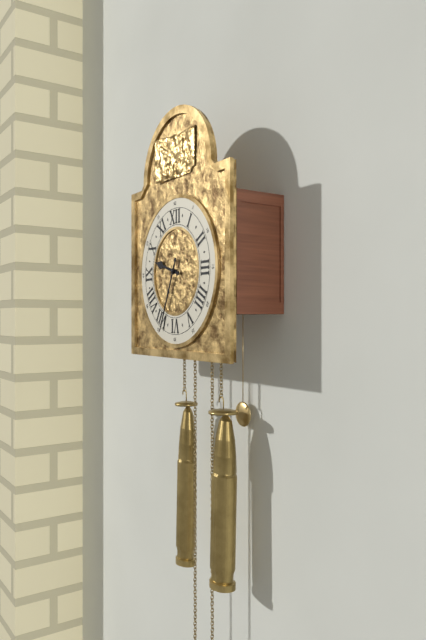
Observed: 9 h 34 min
